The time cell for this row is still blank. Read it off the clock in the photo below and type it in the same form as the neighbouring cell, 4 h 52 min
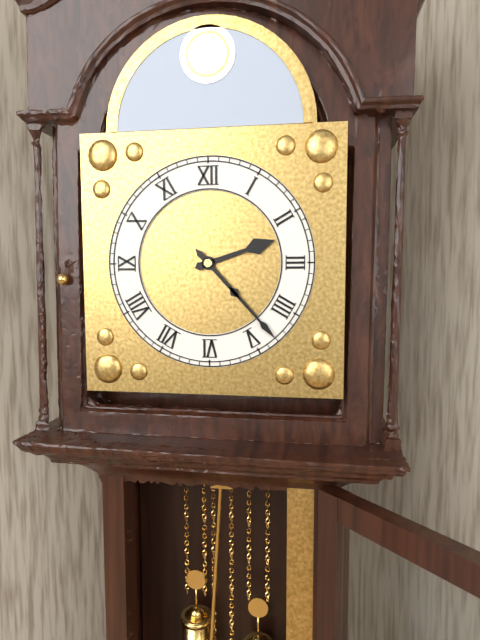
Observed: 2 h 23 min
